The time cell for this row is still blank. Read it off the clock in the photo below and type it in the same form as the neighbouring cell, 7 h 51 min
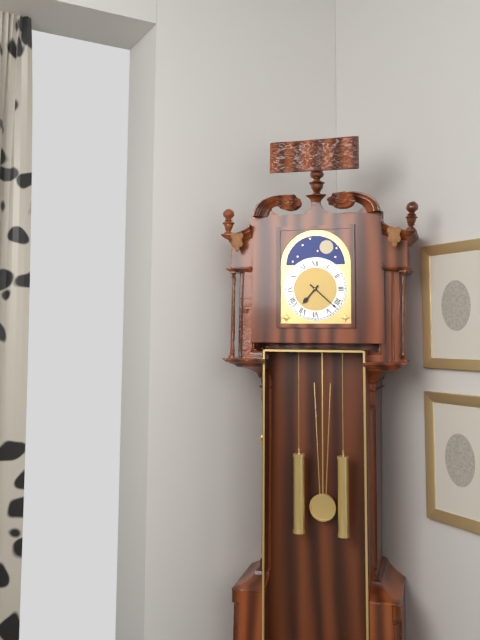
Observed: 7 h 22 min
